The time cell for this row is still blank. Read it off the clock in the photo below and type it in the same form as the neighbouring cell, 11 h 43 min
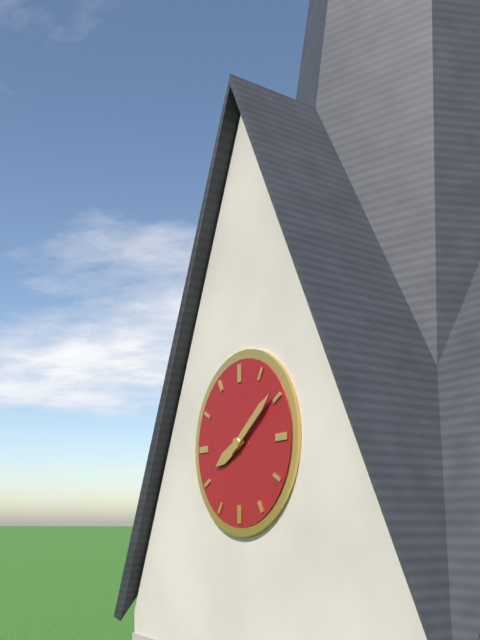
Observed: 8 h 09 min
